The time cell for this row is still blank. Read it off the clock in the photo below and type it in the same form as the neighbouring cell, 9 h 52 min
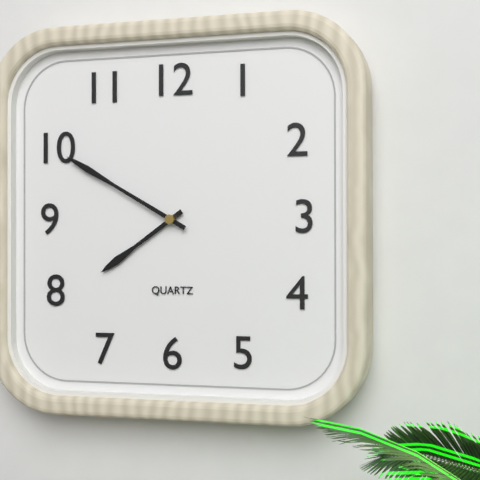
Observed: 7 h 50 min
